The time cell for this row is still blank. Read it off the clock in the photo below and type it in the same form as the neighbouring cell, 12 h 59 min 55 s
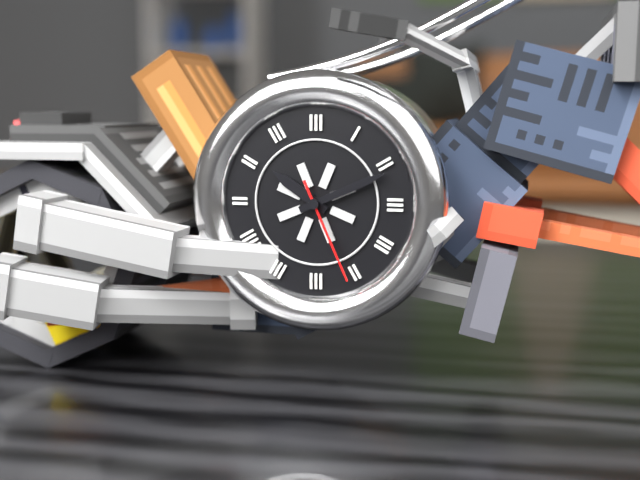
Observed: 10 h 11 min 26 s
